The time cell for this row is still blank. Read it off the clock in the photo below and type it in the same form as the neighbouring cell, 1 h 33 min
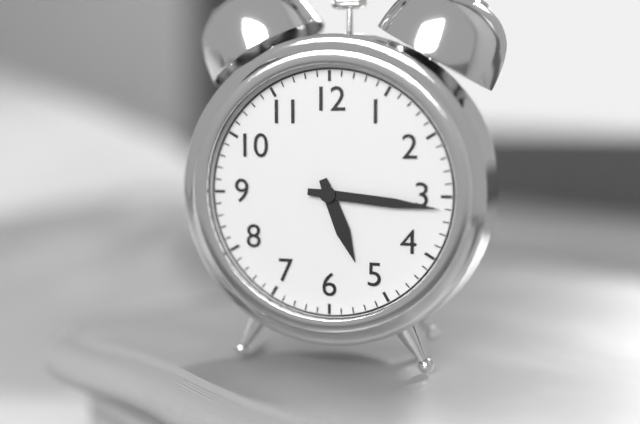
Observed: 5 h 16 min
